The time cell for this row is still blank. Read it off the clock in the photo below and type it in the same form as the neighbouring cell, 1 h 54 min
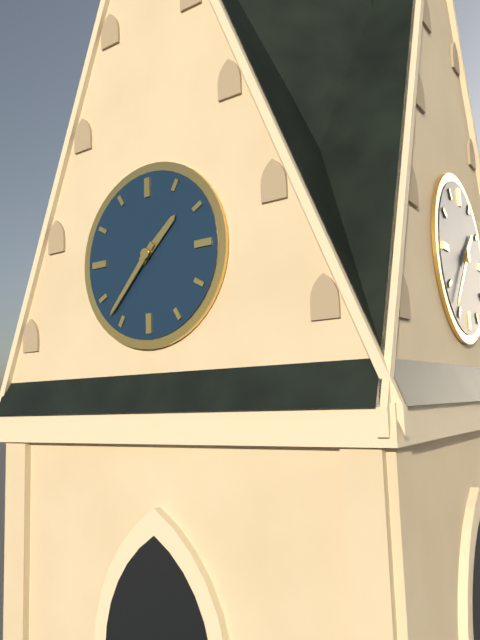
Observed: 1 h 37 min
